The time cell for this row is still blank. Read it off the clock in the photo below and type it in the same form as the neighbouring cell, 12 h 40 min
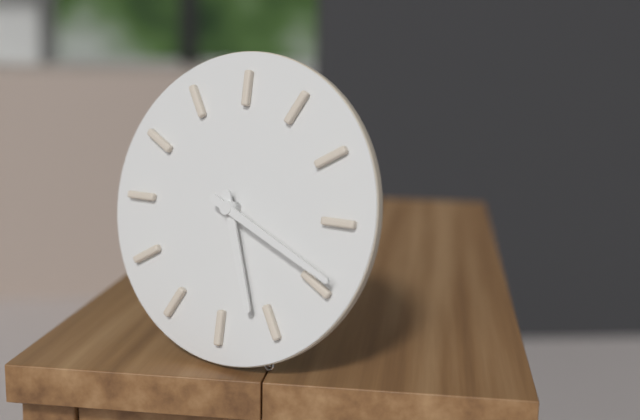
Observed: 5 h 19 min
